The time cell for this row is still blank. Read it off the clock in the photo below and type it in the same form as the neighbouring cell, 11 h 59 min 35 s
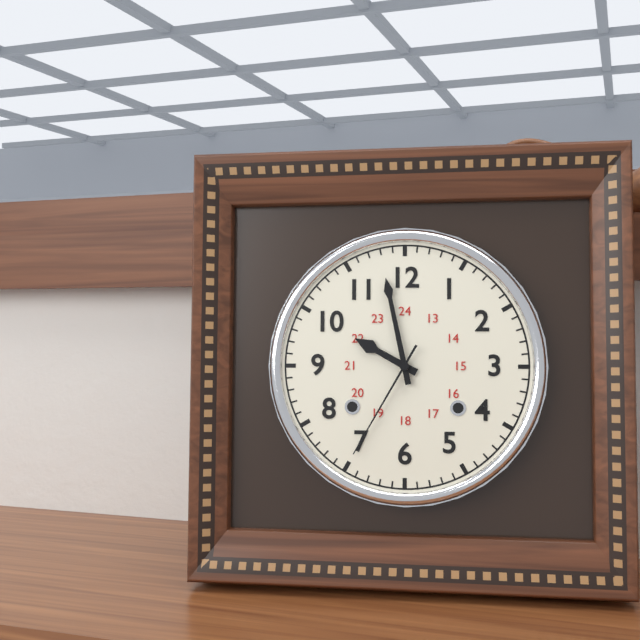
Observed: 9 h 58 min 35 s
